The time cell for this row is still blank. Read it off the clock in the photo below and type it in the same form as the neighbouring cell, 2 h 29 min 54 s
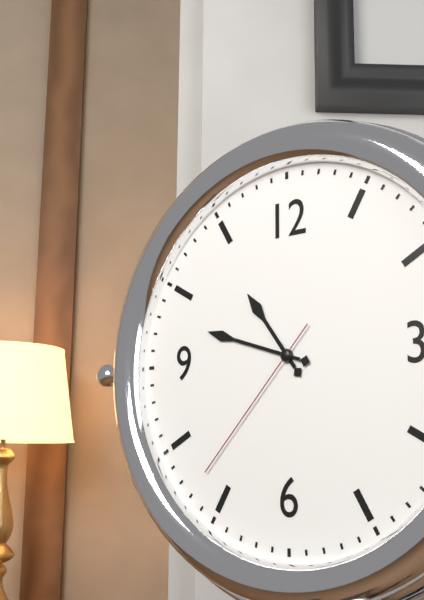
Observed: 10 h 48 min 37 s
